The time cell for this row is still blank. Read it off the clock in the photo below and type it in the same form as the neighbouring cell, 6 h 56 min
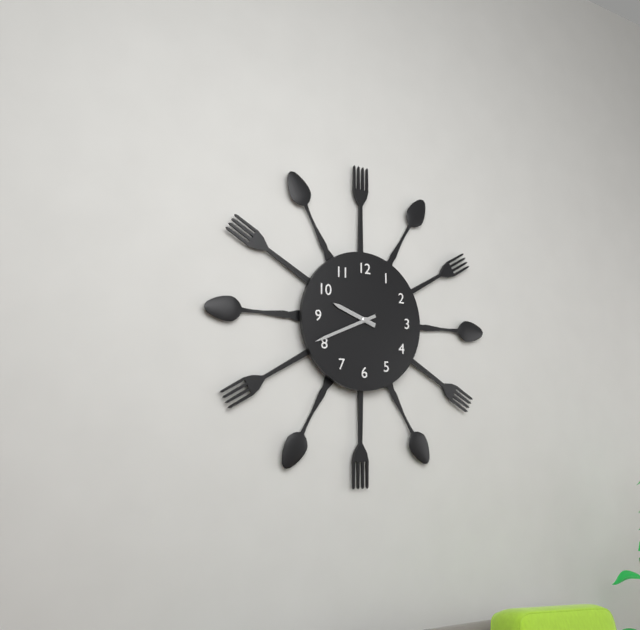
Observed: 9 h 41 min
